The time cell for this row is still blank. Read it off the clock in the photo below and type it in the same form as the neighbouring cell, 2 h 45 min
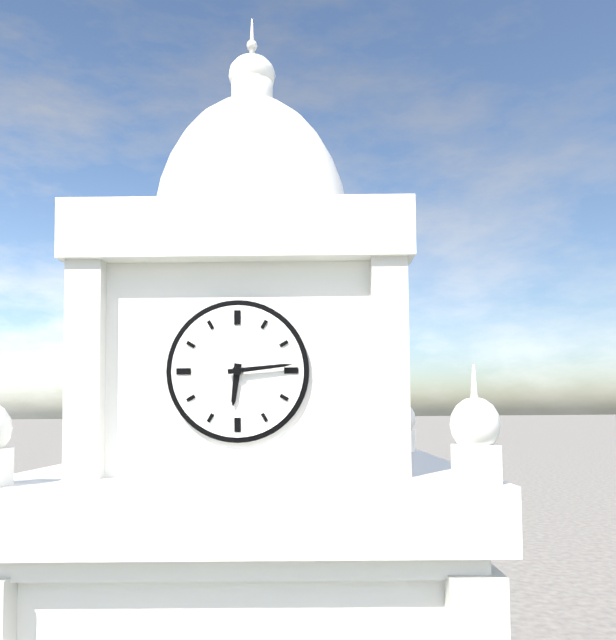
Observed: 6 h 14 min
